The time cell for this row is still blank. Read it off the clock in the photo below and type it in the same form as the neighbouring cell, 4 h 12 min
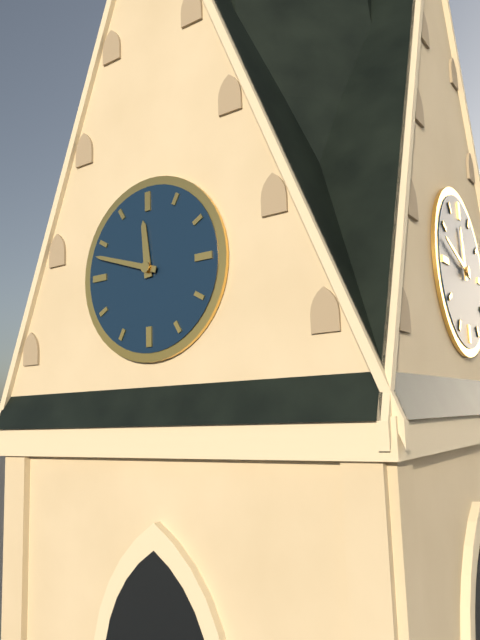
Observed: 11 h 48 min
